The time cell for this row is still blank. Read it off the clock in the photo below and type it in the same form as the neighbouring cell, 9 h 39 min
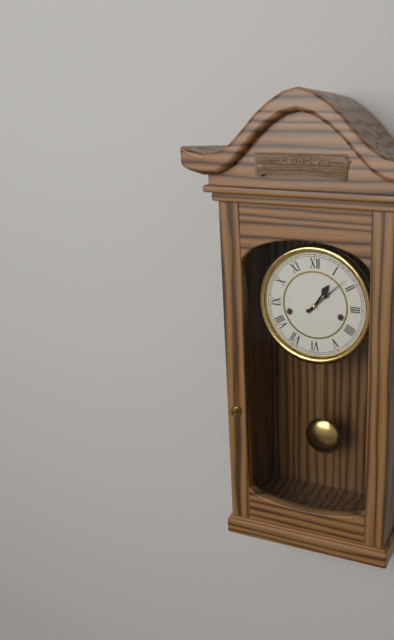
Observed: 1 h 08 min
